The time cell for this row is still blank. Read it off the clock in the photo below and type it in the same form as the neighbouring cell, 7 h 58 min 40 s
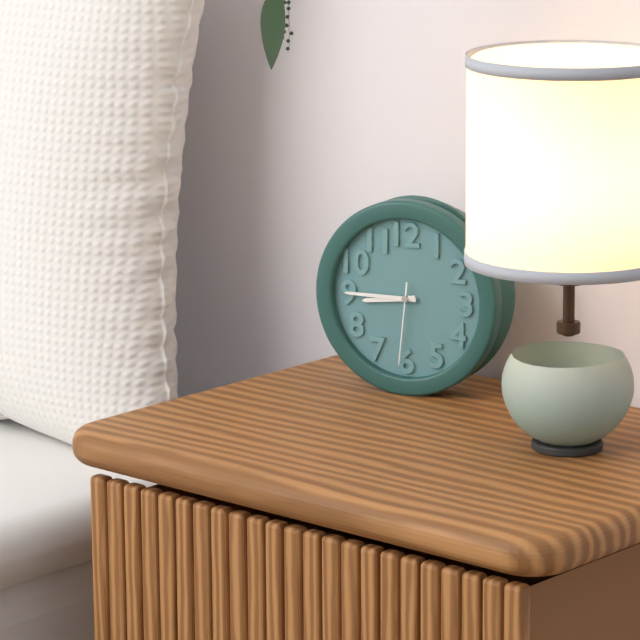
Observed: 8 h 45 min 31 s
